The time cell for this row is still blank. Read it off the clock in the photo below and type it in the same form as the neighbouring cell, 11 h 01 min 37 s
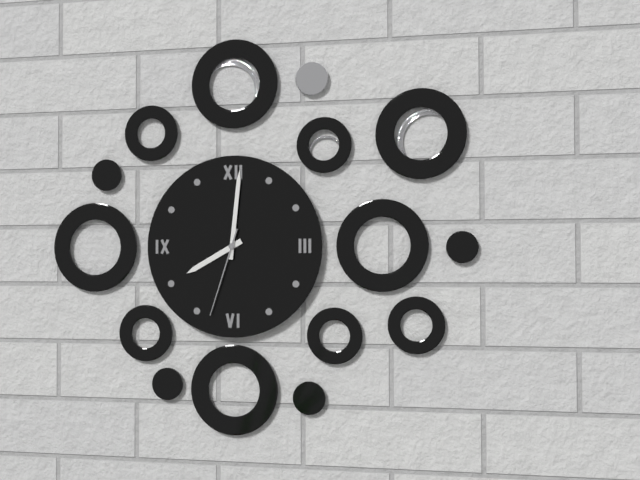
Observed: 8 h 01 min 33 s
